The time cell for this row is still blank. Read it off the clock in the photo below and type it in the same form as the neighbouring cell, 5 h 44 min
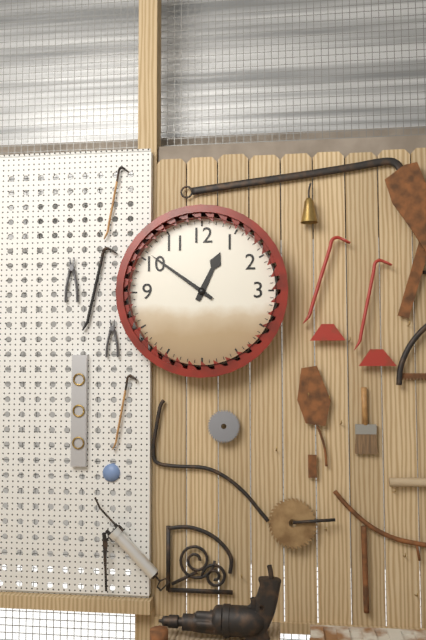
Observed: 12 h 51 min
